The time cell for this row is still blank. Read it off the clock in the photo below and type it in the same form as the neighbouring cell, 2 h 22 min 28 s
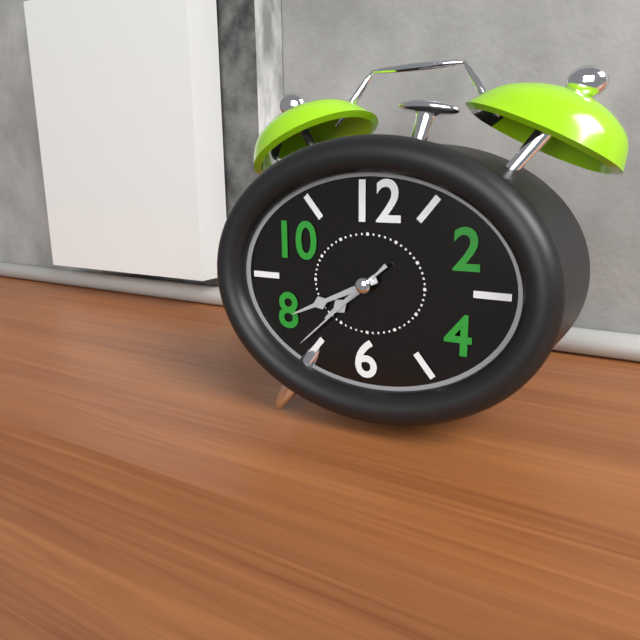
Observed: 7 h 41 min 38 s
